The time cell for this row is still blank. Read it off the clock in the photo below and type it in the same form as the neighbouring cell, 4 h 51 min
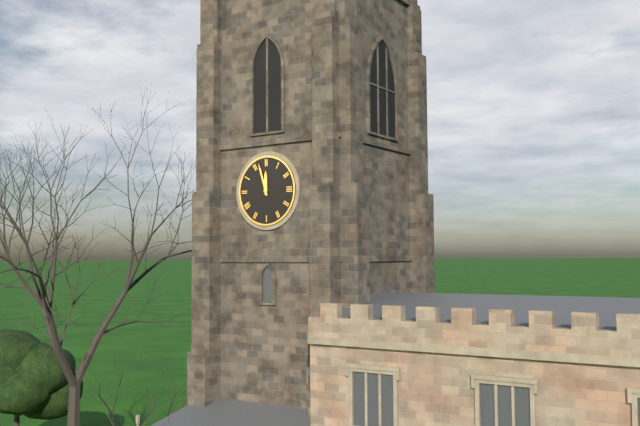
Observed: 11 h 57 min
